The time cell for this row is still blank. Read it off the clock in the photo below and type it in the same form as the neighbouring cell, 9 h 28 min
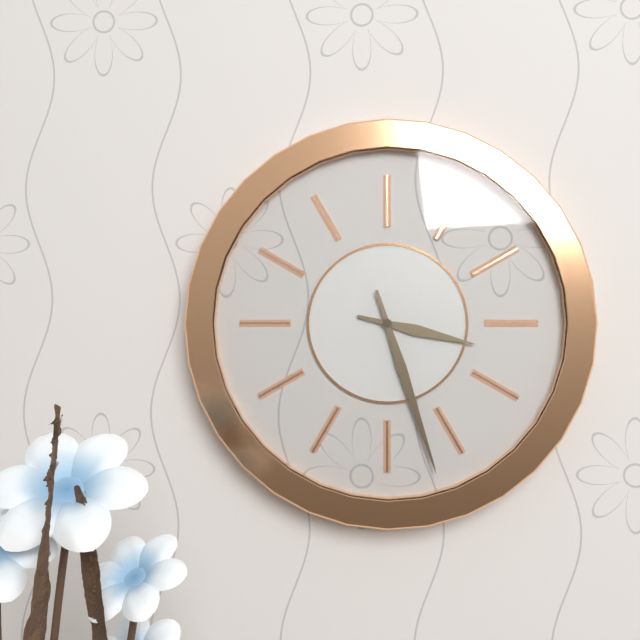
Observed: 3 h 27 min
